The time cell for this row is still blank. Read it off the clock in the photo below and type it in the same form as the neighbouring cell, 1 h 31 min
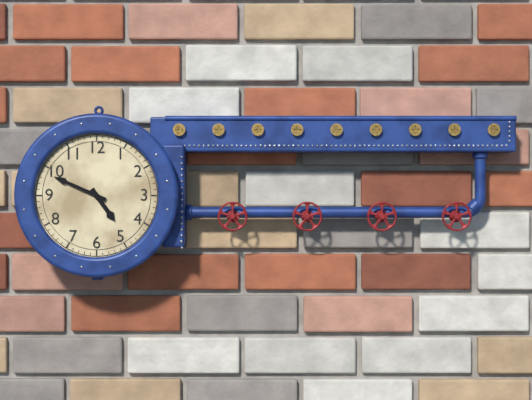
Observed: 4 h 49 min
